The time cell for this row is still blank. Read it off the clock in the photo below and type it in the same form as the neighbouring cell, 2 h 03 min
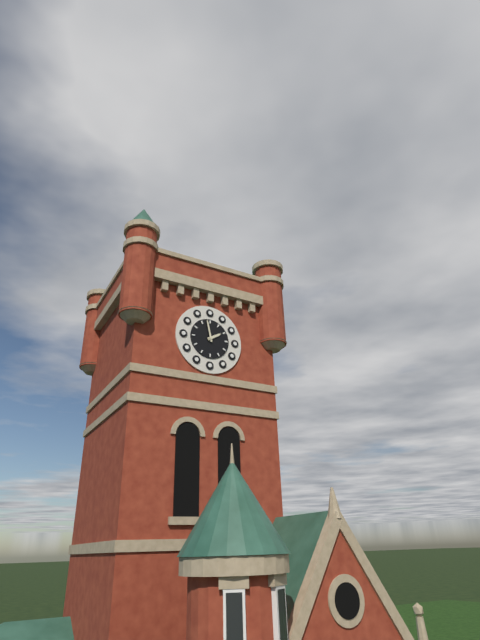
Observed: 1 h 58 min
